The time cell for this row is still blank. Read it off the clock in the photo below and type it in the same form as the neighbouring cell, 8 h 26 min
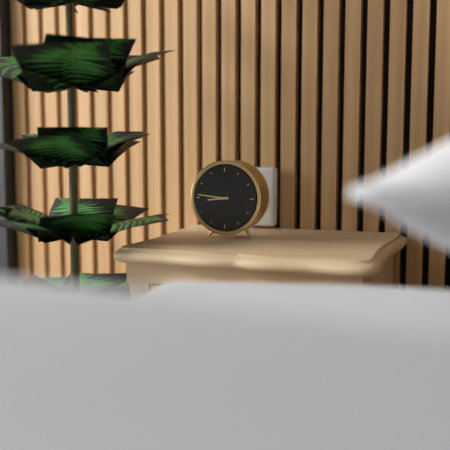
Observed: 8 h 46 min
